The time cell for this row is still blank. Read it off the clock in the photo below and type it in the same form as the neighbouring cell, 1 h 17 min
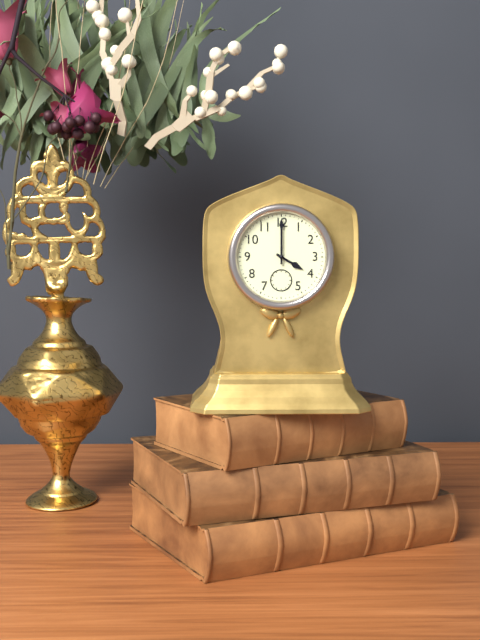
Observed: 4 h 00 min
